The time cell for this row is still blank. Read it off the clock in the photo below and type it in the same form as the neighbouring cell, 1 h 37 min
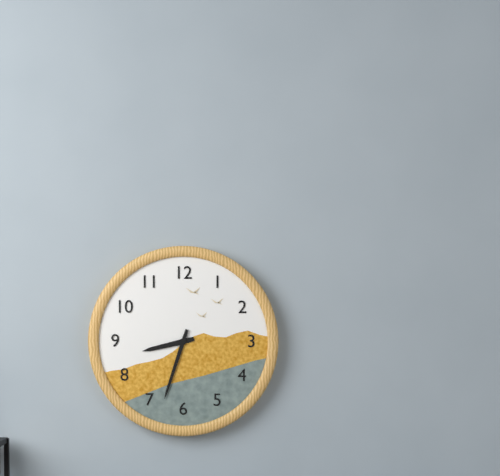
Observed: 8 h 33 min
